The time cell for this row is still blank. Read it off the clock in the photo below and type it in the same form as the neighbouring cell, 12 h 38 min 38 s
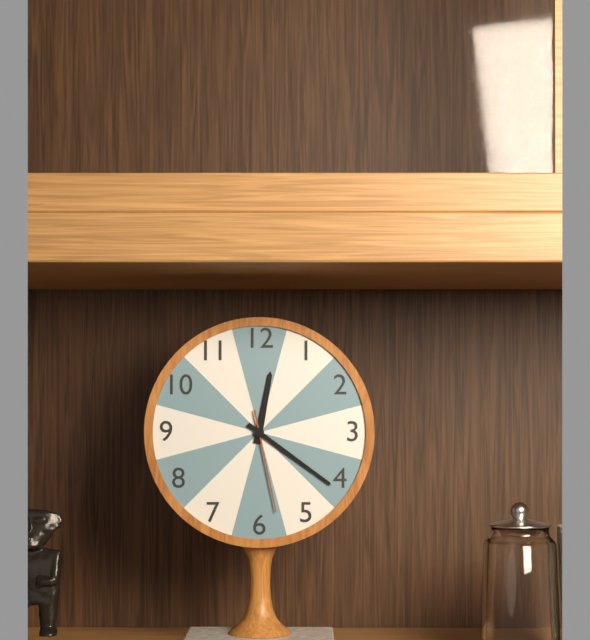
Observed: 12 h 21 min 28 s
